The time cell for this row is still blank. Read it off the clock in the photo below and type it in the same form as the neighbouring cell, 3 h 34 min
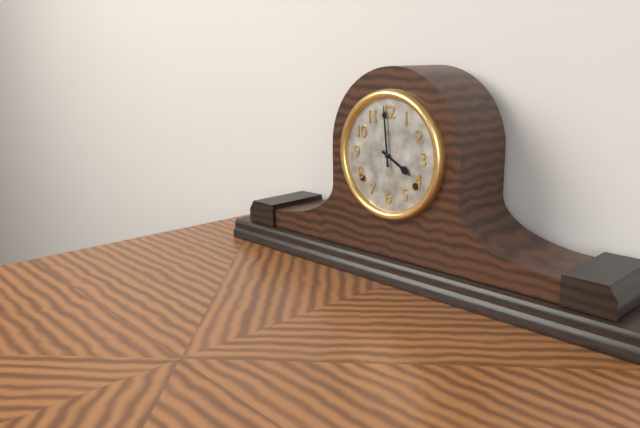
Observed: 3 h 59 min
